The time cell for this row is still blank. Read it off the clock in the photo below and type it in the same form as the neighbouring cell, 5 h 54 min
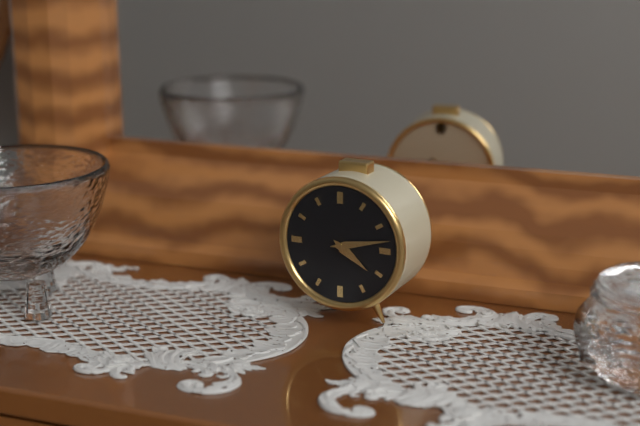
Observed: 4 h 13 min
